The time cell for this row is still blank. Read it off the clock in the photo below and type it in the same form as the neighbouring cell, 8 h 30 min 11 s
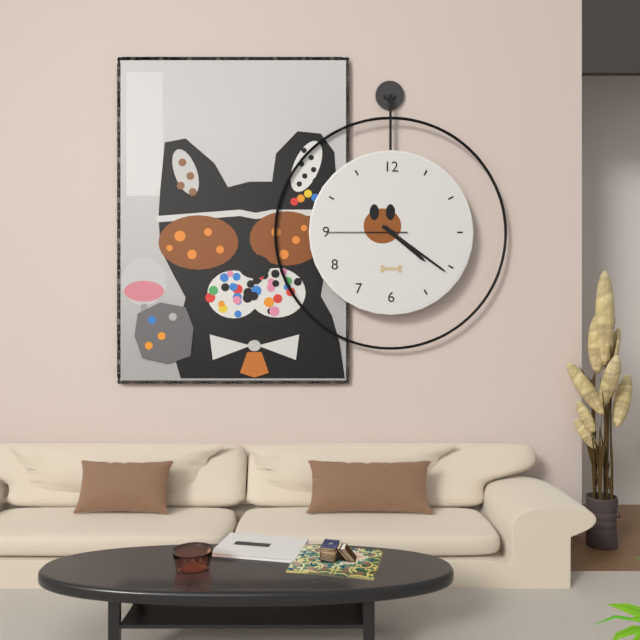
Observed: 4 h 21 min 45 s
